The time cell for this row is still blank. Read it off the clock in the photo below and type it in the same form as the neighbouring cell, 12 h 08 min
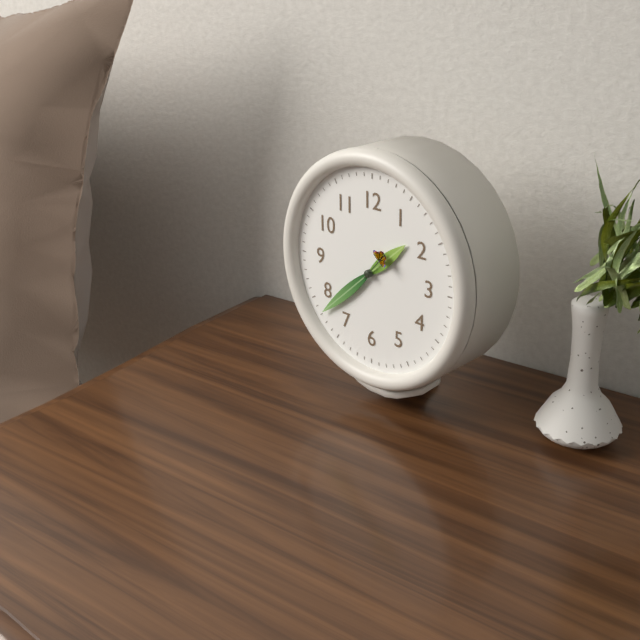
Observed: 1 h 38 min
